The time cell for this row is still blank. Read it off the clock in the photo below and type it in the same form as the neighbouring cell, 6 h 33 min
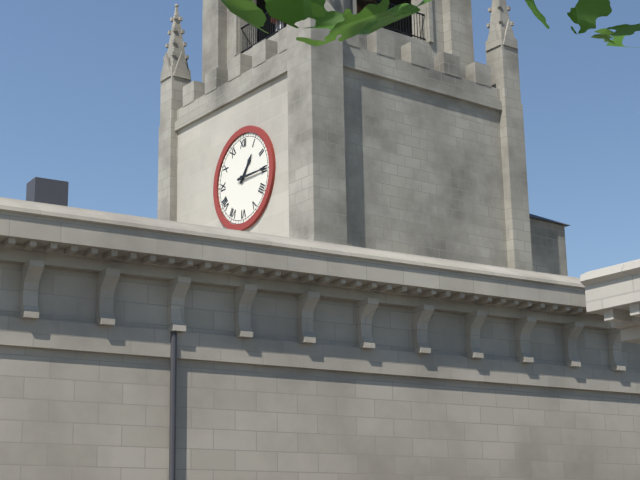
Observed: 1 h 15 min
